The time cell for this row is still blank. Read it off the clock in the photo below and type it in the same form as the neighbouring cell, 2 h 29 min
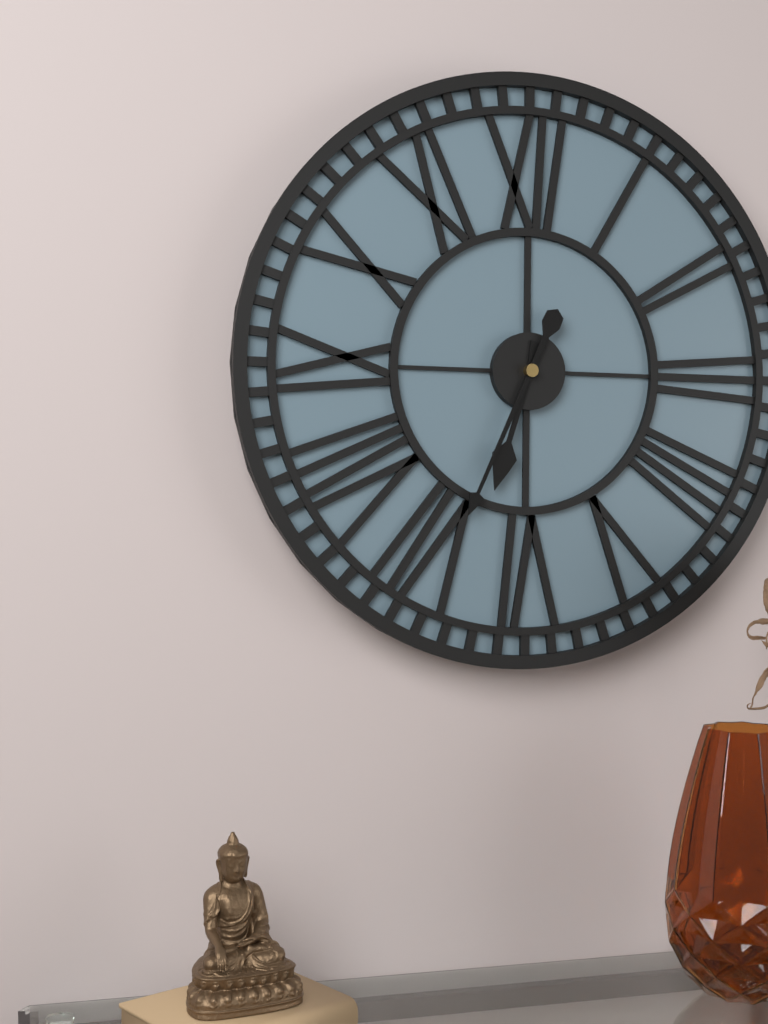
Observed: 6 h 34 min
